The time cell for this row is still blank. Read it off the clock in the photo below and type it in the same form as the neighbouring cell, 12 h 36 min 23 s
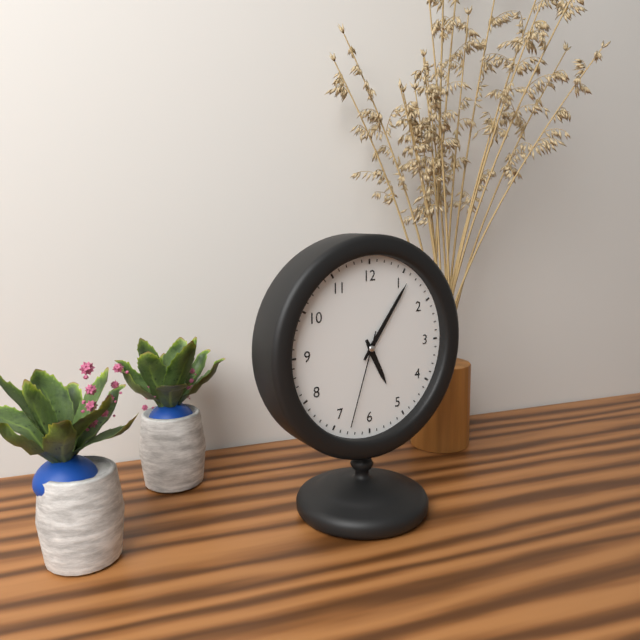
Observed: 5 h 06 min 33 s
